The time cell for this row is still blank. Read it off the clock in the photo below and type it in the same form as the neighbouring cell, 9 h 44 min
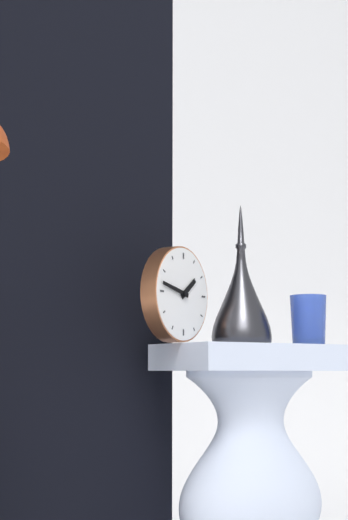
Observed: 1 h 47 min
